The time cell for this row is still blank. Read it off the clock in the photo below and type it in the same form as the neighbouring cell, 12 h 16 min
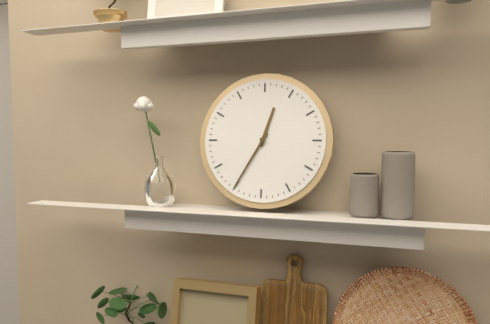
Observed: 12 h 35 min
